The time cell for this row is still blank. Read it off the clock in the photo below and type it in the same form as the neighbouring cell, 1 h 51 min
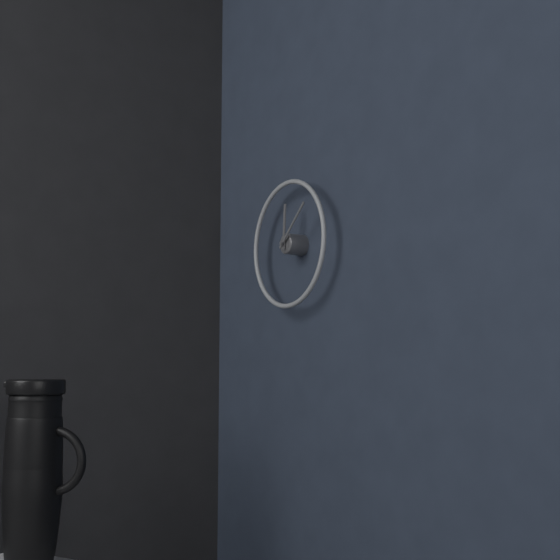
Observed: 12 h 08 min
